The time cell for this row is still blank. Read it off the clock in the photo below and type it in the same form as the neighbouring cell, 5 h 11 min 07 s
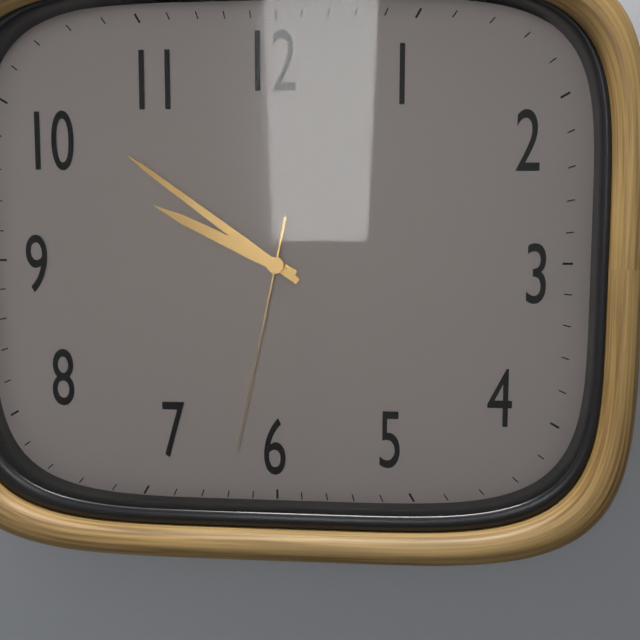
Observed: 9 h 51 min 32 s
